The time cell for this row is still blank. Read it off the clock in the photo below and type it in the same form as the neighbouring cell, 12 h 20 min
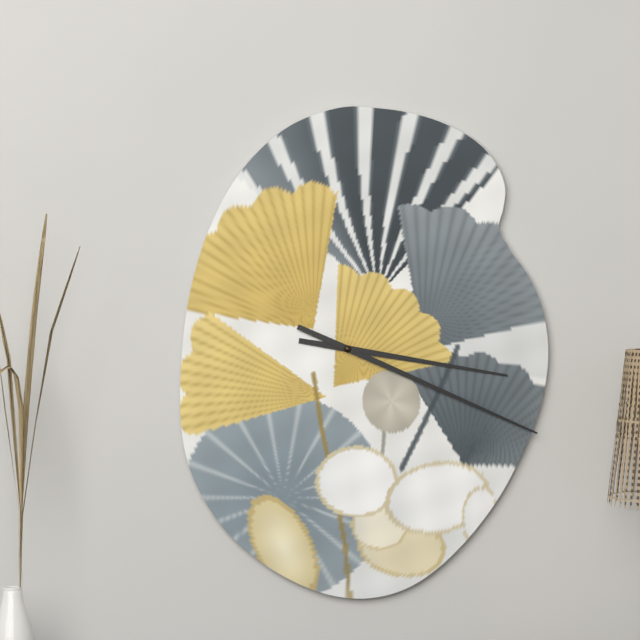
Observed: 3 h 19 min
